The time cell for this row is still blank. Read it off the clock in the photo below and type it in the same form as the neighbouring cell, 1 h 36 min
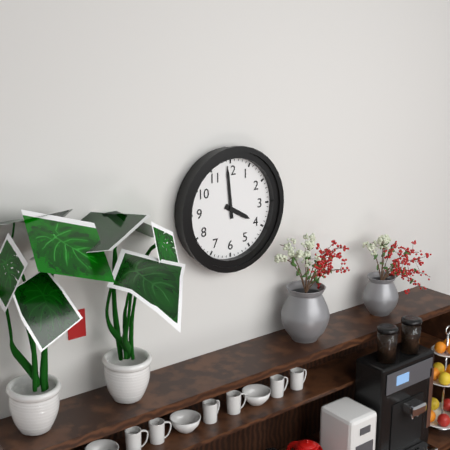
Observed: 3 h 59 min
